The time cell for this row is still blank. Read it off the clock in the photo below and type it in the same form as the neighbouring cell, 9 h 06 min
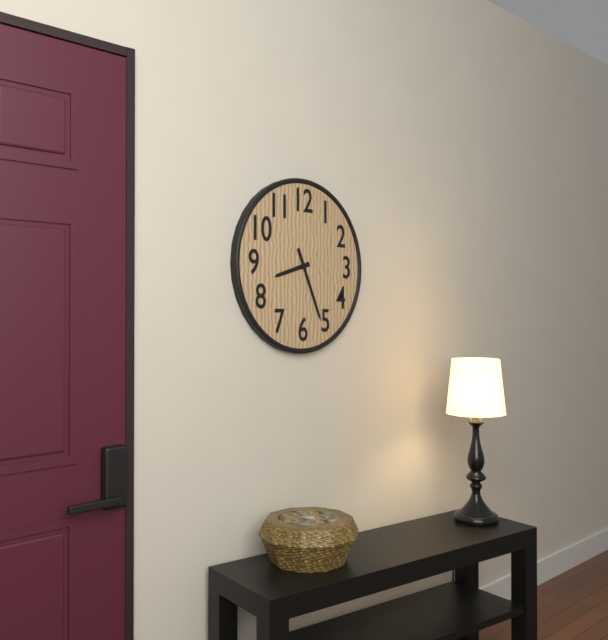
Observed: 8 h 26 min
